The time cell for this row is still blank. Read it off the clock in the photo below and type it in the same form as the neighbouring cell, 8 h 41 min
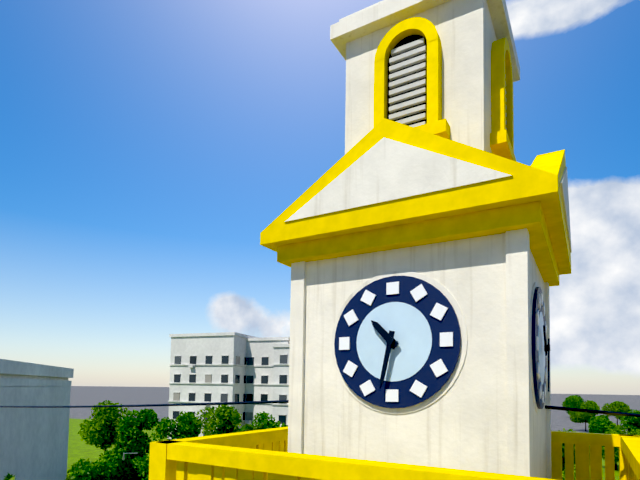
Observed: 10 h 32 min
